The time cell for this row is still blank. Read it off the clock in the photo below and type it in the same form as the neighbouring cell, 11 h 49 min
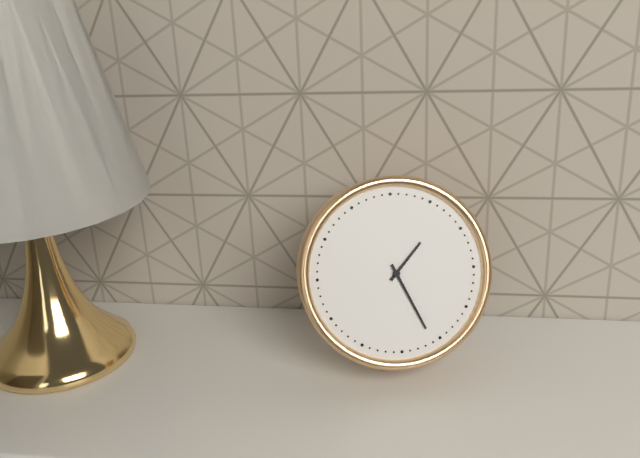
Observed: 1 h 26 min
